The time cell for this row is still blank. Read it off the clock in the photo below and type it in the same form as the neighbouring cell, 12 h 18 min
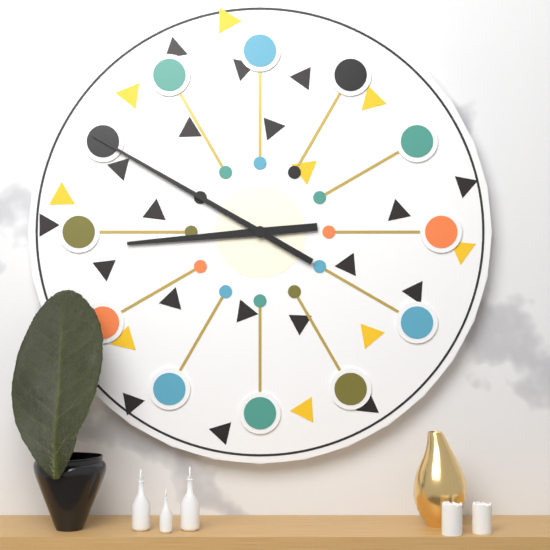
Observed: 8 h 50 min
